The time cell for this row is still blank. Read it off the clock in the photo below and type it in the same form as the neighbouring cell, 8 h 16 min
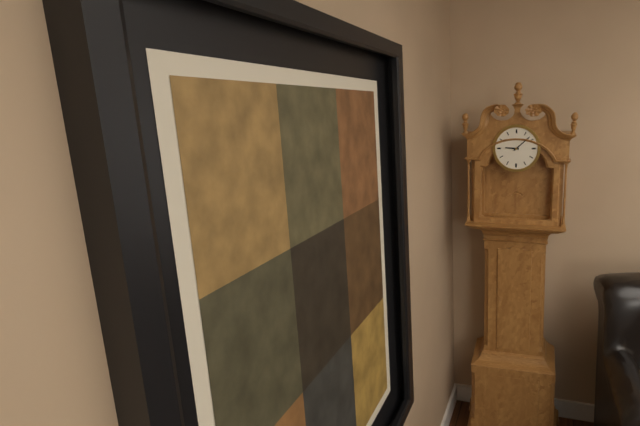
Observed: 9 h 08 min
